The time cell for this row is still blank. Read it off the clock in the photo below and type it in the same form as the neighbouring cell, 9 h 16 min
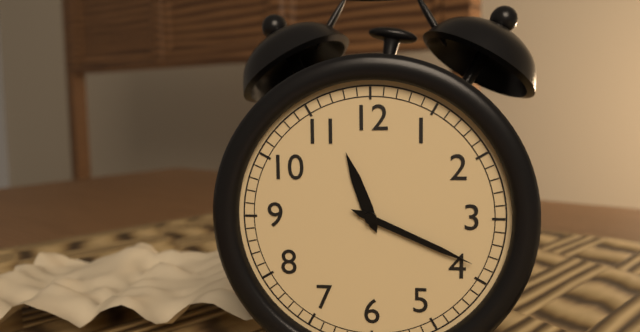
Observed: 11 h 19 min
